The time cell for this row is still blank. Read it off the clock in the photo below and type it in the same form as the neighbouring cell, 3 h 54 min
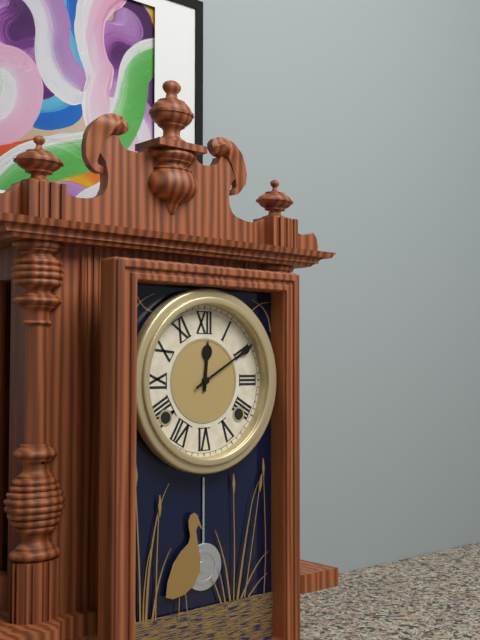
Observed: 12 h 10 min
